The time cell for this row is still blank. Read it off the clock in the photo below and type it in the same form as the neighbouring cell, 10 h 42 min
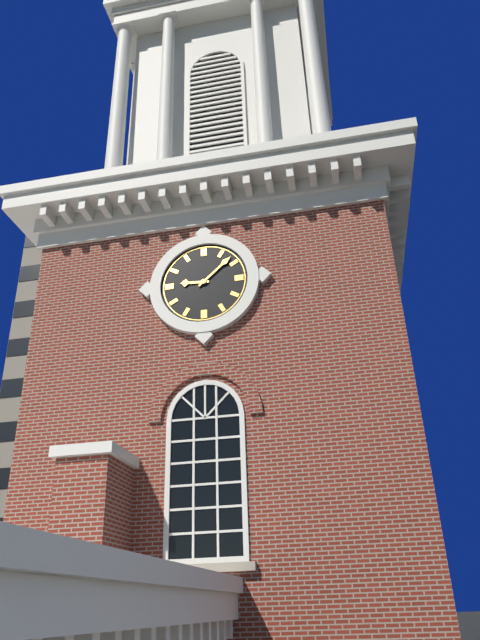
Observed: 9 h 08 min
